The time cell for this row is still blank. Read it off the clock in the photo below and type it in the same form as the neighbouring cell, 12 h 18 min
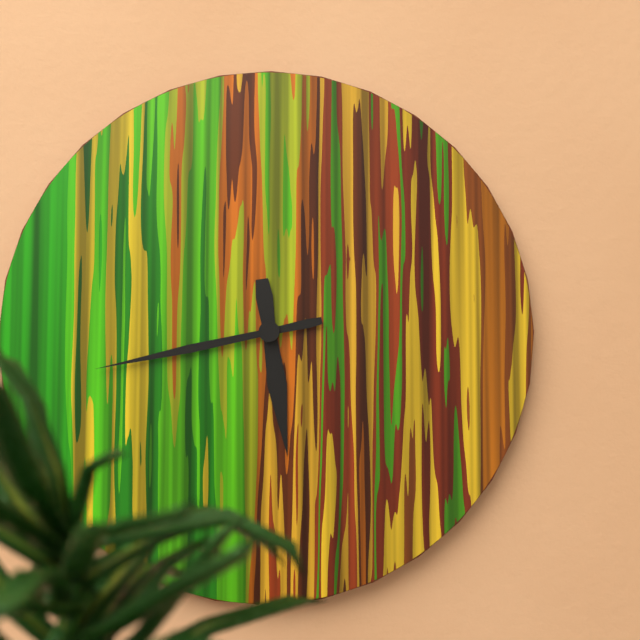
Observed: 5 h 43 min
